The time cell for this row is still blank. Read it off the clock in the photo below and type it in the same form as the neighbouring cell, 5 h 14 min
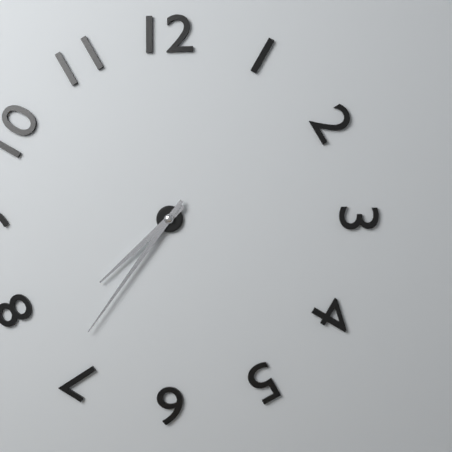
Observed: 7 h 36 min
